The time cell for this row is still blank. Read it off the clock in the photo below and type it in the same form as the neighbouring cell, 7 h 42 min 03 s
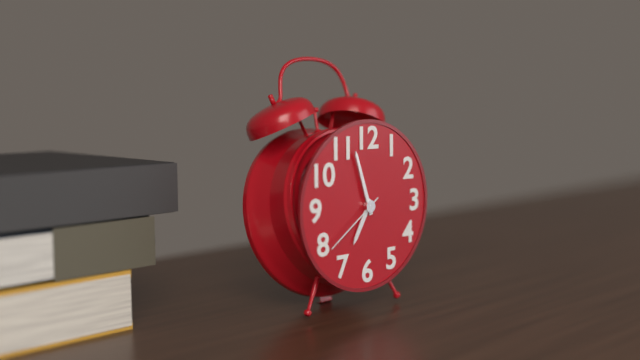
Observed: 6 h 57 min 39 s
